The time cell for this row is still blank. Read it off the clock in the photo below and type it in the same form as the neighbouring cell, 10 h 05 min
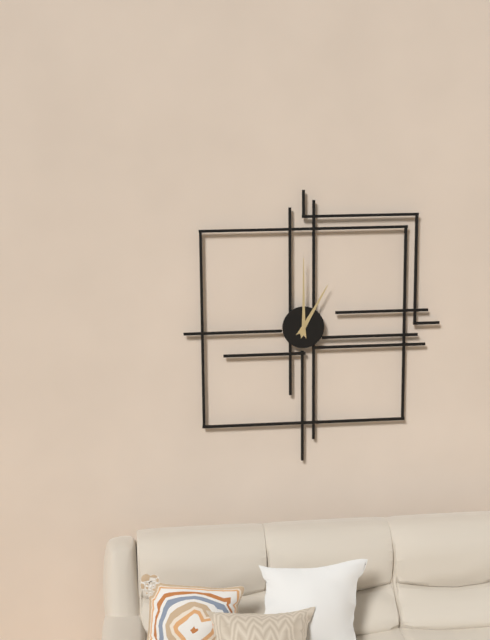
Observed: 1 h 00 min
